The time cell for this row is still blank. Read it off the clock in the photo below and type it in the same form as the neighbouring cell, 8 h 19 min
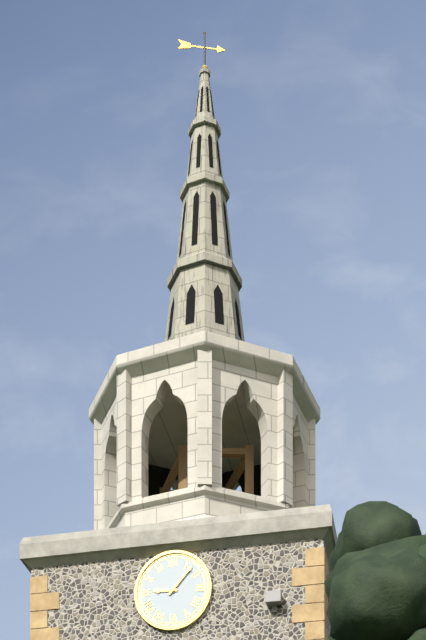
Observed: 9 h 07 min
